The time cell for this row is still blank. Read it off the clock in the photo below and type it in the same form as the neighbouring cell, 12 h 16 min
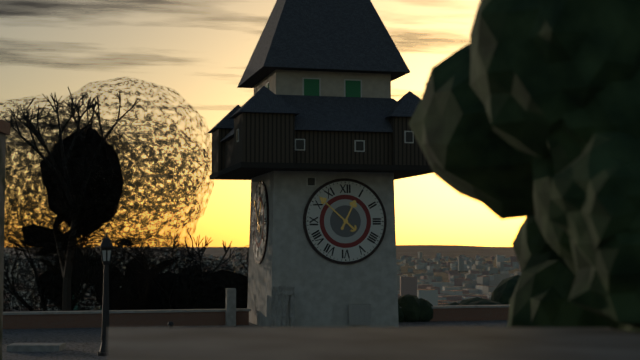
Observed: 12 h 52 min
